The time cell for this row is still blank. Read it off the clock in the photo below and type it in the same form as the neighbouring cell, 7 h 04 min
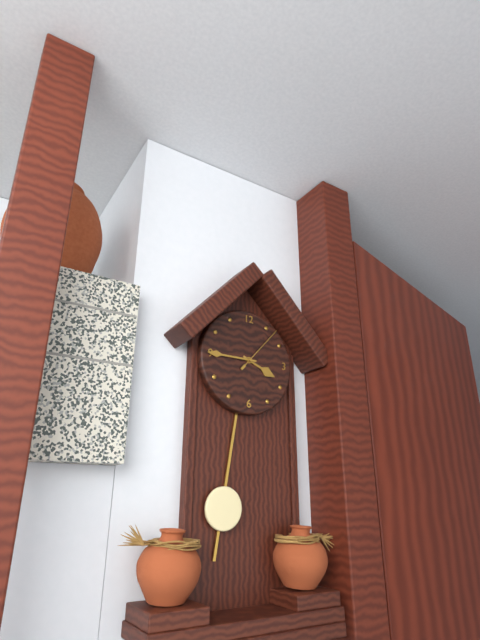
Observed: 3 h 45 min
